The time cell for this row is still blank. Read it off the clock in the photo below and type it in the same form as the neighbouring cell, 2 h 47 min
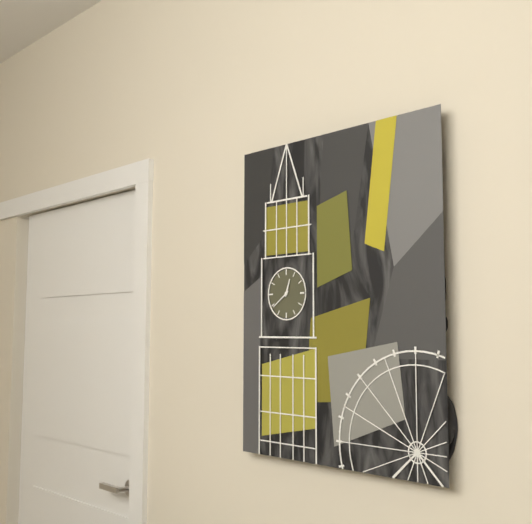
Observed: 12 h 39 min
